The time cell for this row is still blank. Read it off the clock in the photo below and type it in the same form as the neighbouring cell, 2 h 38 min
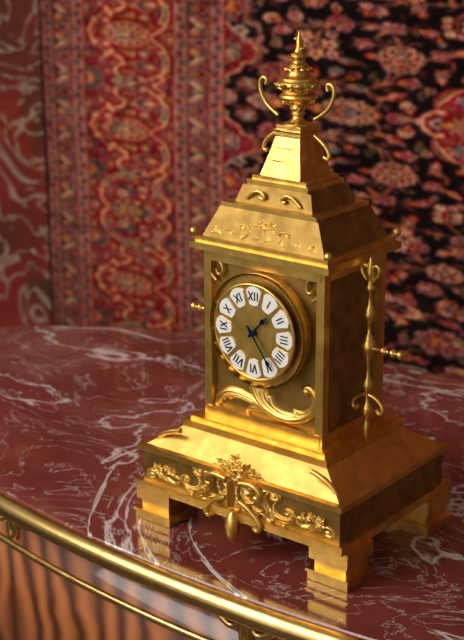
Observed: 1 h 24 min
